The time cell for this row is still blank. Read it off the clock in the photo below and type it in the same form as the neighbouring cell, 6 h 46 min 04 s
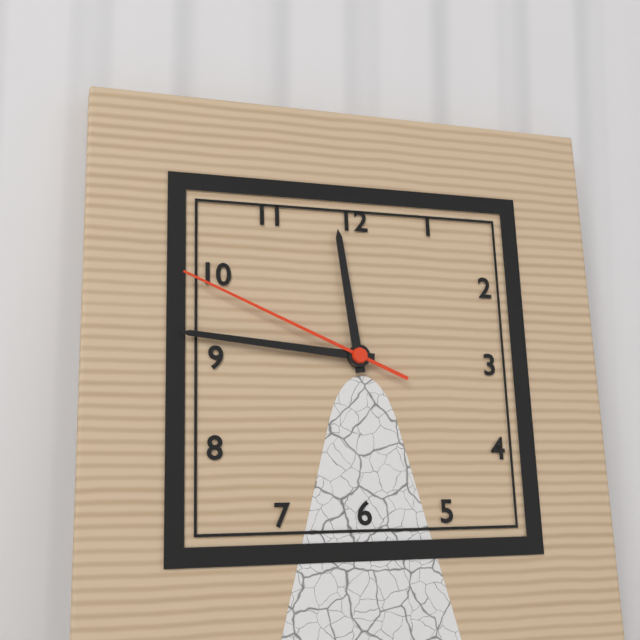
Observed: 11 h 46 min 49 s
